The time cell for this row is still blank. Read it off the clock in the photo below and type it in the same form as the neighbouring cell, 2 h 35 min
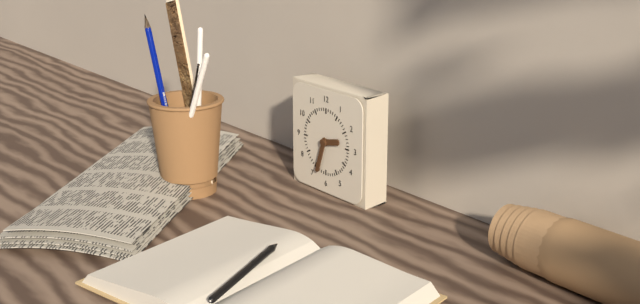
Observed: 2 h 33 min
